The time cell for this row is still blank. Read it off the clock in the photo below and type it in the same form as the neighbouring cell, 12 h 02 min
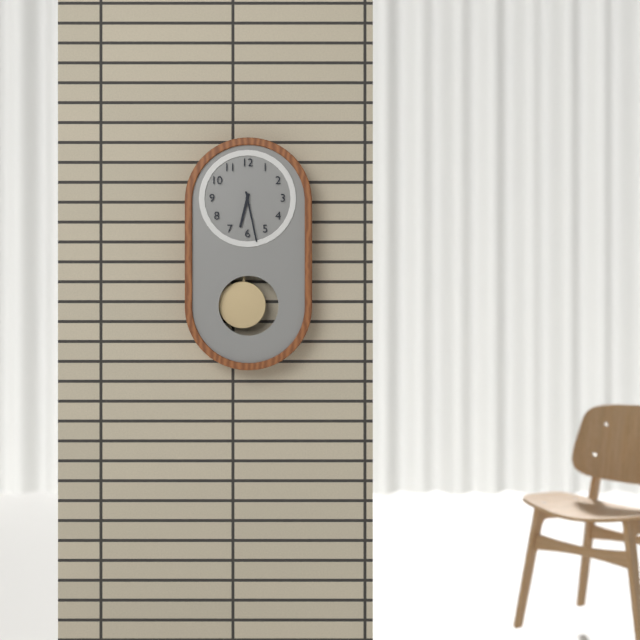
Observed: 6 h 28 min
